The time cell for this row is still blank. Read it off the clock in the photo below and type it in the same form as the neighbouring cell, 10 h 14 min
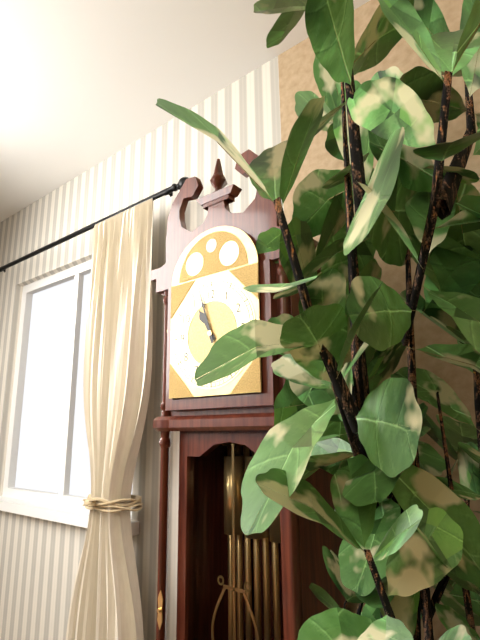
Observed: 10 h 57 min
